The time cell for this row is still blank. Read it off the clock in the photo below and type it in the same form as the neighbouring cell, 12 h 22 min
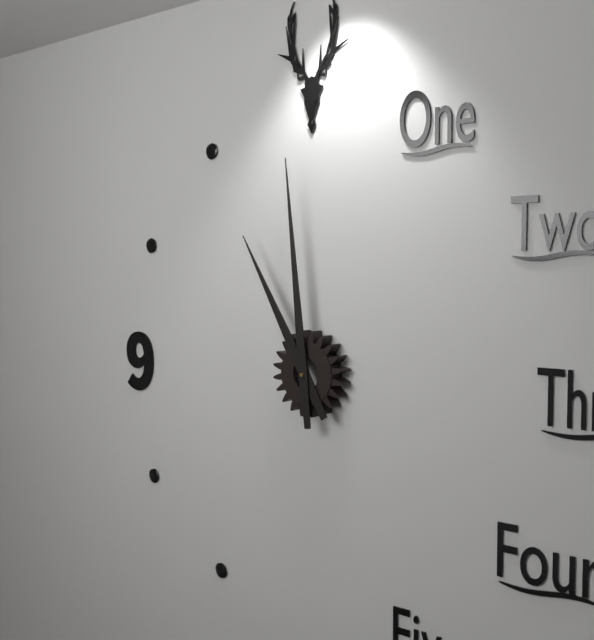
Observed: 10 h 59 min
